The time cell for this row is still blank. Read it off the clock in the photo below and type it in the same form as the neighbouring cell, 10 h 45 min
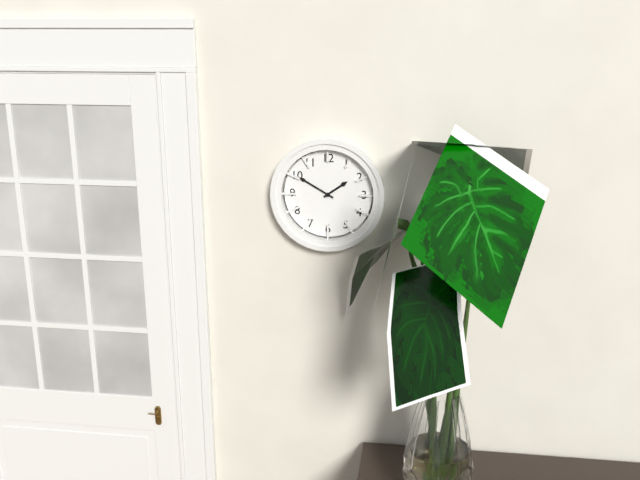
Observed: 1 h 50 min
